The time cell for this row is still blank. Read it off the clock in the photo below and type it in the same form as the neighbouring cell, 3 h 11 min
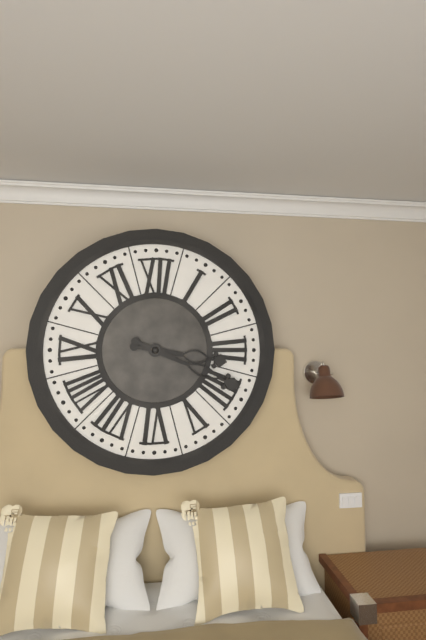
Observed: 3 h 19 min
